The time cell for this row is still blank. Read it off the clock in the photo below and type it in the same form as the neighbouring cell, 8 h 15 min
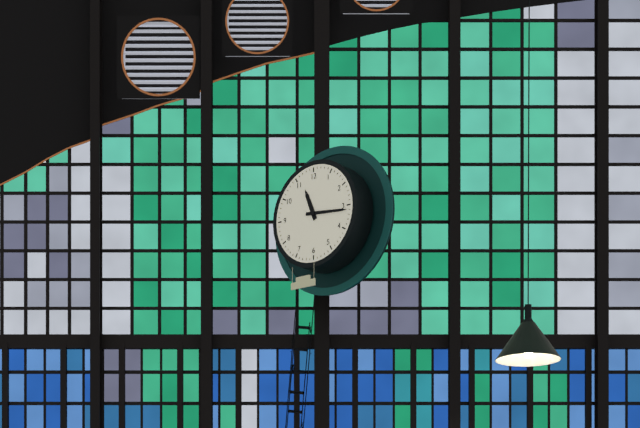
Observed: 11 h 16 min
